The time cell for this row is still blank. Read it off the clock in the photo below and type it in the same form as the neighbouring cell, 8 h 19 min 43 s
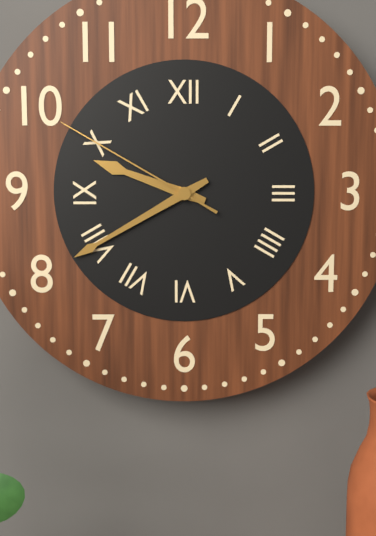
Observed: 9 h 40 min 50 s
